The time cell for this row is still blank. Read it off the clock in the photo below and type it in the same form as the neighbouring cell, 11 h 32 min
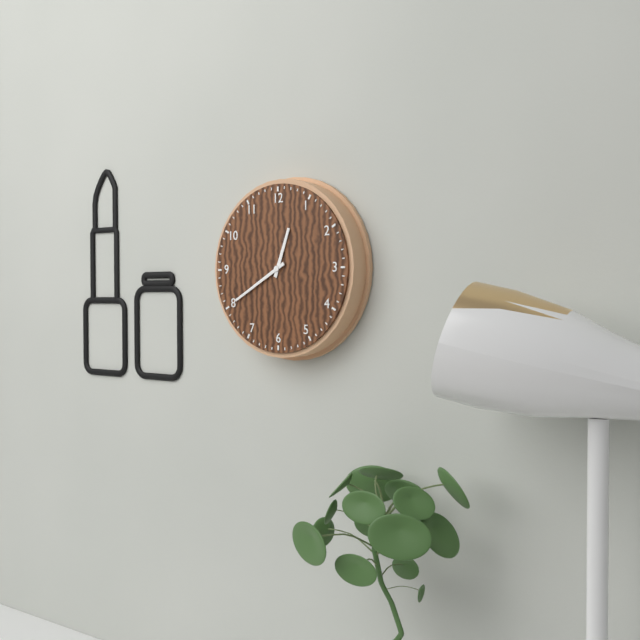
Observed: 12 h 40 min
